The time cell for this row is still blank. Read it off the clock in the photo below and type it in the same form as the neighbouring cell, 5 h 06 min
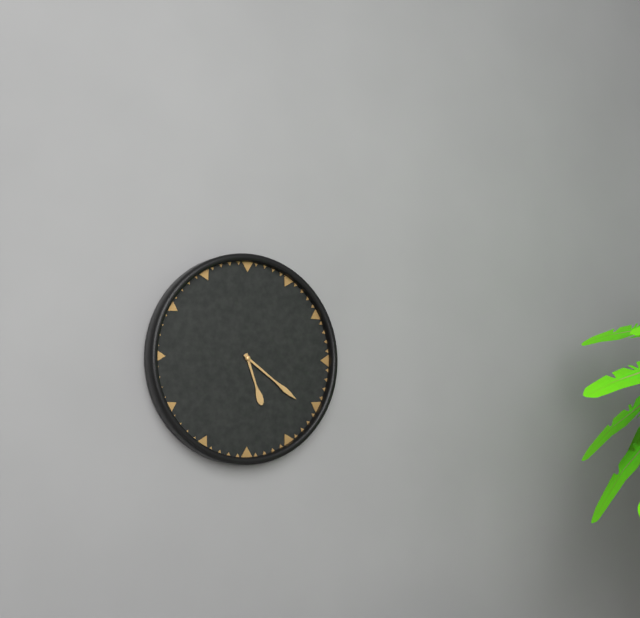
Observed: 5 h 21 min
